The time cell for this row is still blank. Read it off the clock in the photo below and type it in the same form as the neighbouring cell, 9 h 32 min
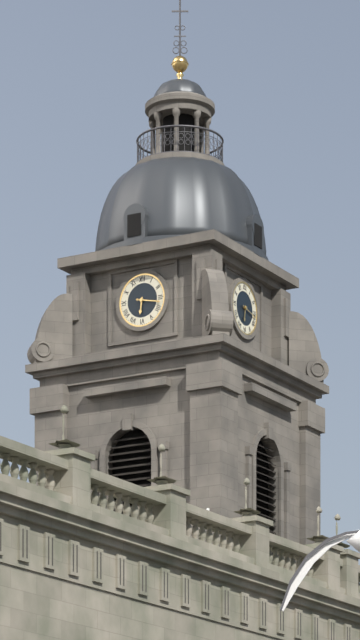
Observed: 6 h 17 min
